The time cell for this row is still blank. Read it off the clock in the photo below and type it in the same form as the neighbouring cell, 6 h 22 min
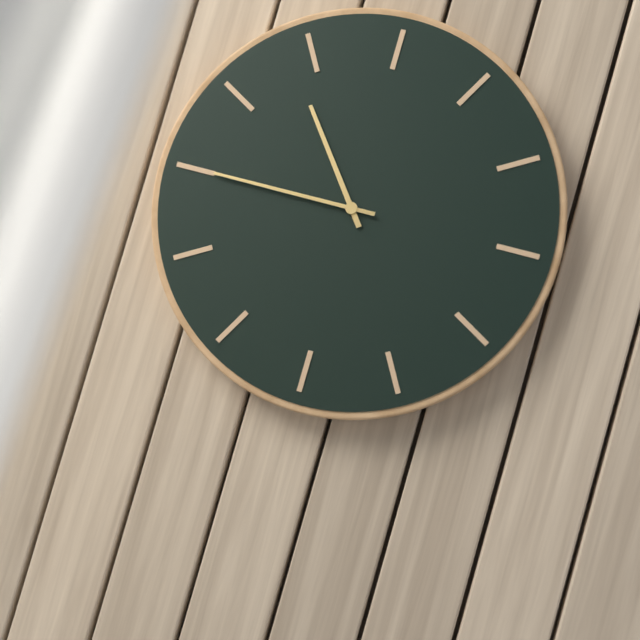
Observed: 10 h 45 min
